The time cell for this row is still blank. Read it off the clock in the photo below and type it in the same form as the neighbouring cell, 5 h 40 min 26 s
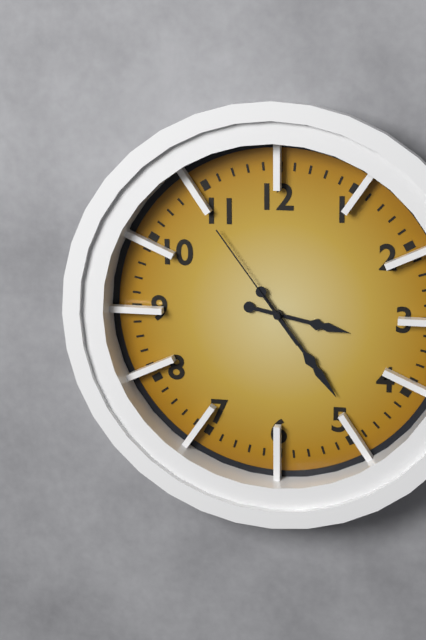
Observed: 3 h 24 min 54 s
